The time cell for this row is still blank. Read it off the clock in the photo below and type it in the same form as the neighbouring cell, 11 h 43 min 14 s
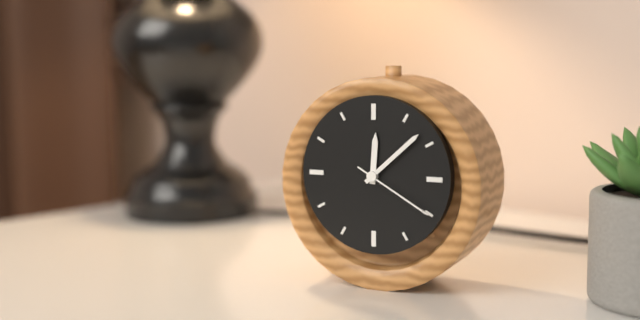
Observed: 12 h 08 min 20 s
